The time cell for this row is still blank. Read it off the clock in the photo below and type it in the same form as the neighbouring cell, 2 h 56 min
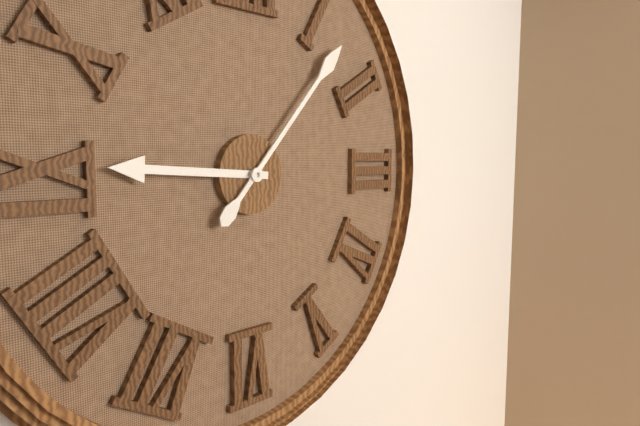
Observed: 9 h 07 min
